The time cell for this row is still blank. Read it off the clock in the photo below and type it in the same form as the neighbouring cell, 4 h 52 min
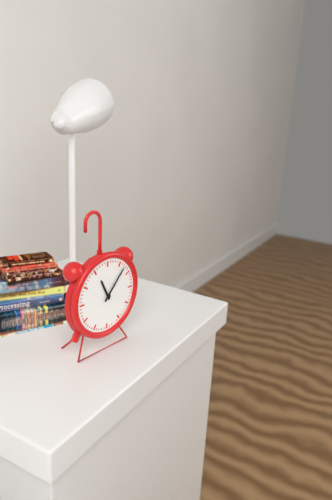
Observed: 11 h 07 min
